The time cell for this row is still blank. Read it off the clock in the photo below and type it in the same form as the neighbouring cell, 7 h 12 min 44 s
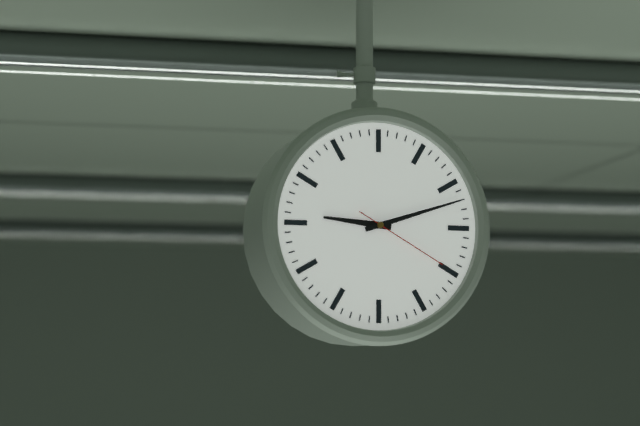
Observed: 9 h 12 min 20 s
